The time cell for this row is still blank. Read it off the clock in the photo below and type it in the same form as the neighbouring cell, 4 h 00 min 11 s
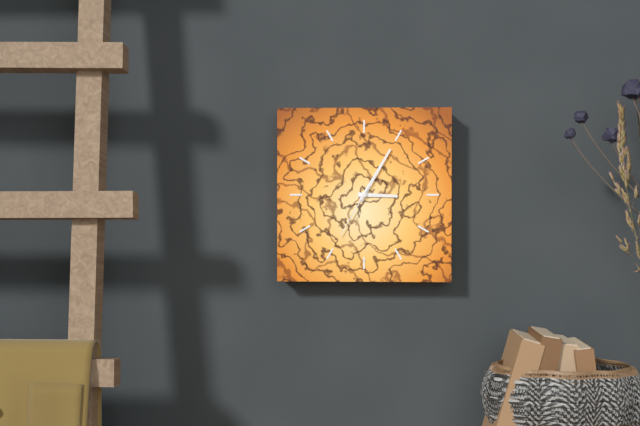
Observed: 3 h 05 min 35 s
